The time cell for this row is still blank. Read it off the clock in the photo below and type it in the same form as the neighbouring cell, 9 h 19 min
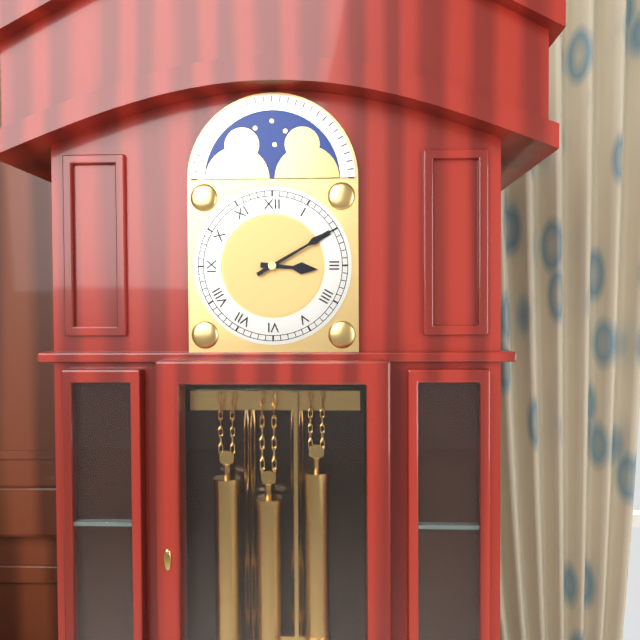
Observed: 3 h 10 min
